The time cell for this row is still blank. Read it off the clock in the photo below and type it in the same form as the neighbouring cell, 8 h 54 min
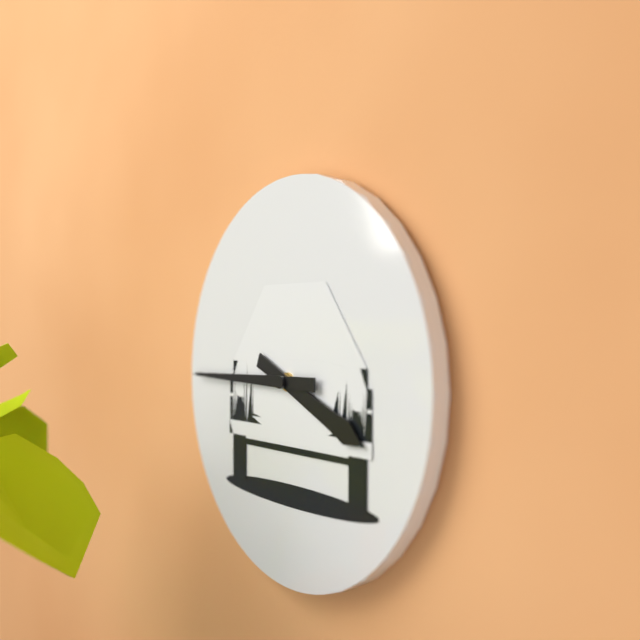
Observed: 3 h 45 min
